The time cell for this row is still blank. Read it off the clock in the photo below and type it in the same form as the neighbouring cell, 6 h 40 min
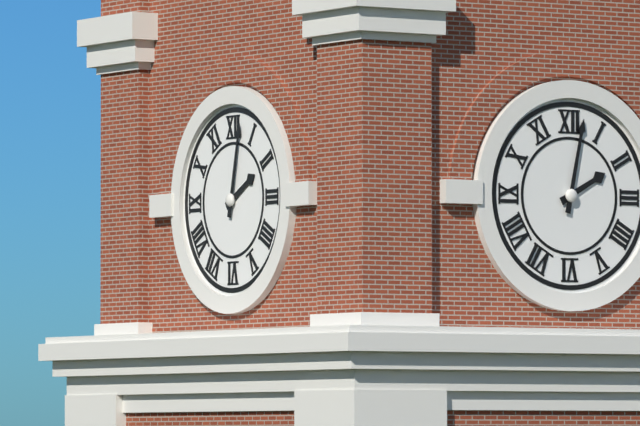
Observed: 2 h 02 min
